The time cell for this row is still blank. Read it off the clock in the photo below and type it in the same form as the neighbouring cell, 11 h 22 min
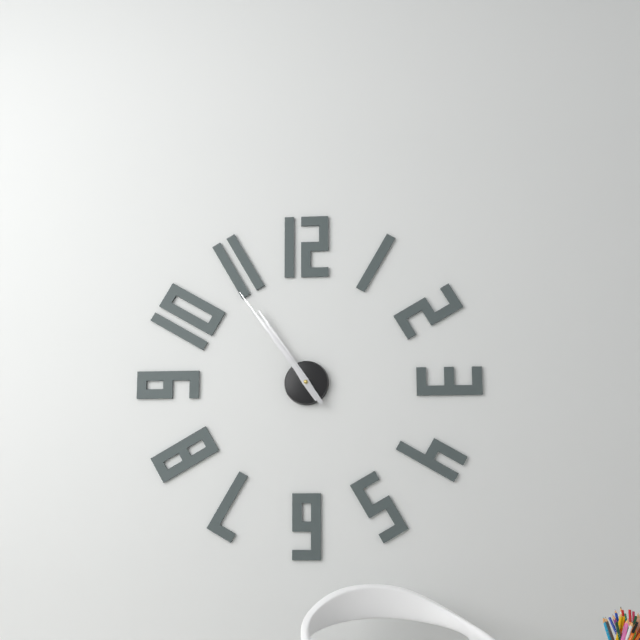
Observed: 10 h 54 min
